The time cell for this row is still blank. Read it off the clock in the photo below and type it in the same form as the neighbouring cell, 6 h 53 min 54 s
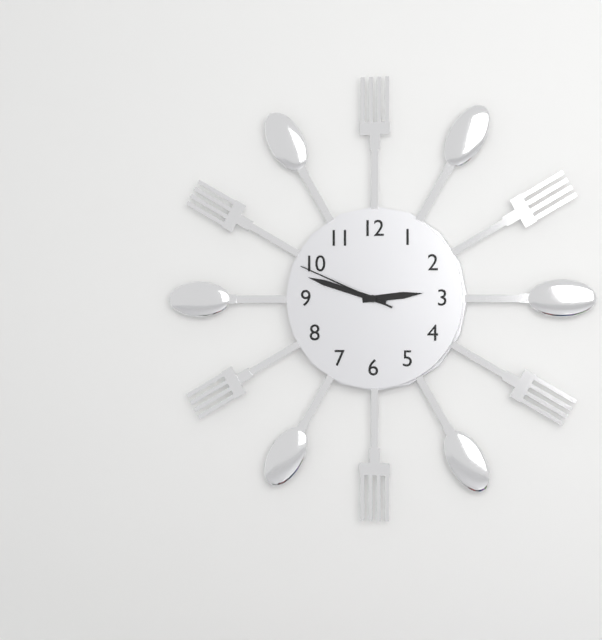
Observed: 2 h 48 min 49 s
